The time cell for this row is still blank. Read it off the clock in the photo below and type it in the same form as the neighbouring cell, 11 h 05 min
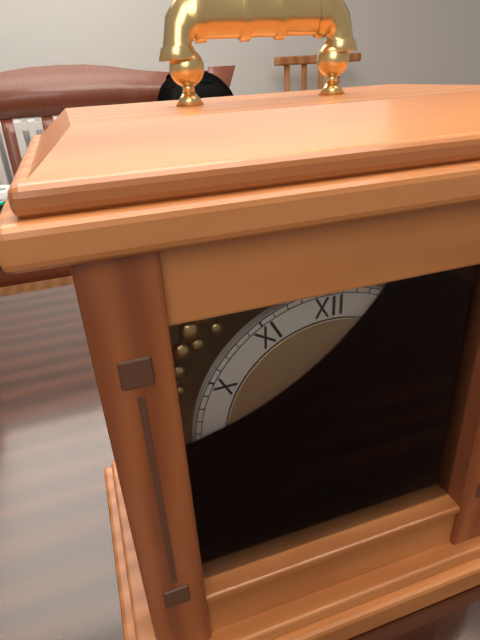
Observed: 12 h 07 min
